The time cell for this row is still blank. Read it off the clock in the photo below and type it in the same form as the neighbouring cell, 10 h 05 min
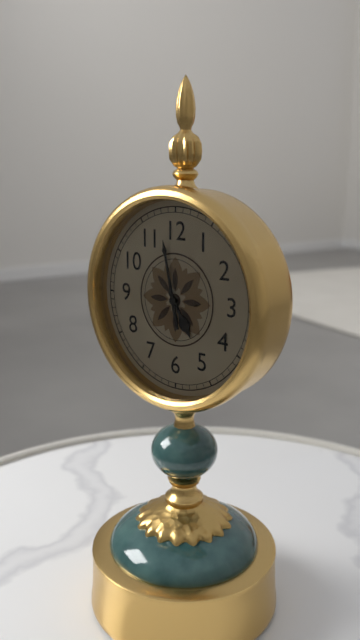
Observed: 4 h 58 min
